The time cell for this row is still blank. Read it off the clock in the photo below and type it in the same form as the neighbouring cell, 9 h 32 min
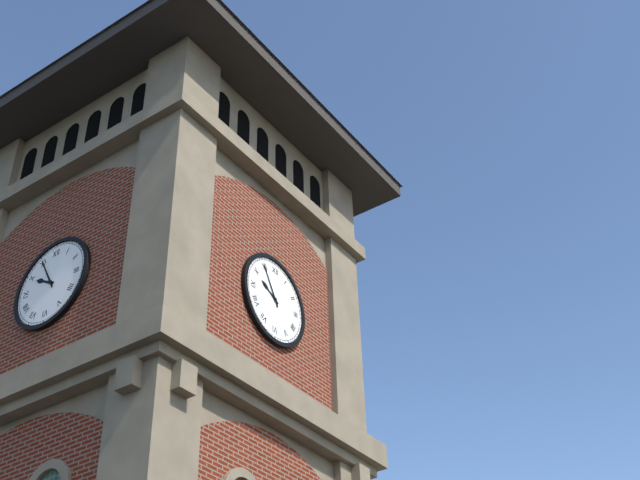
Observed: 9 h 55 min
